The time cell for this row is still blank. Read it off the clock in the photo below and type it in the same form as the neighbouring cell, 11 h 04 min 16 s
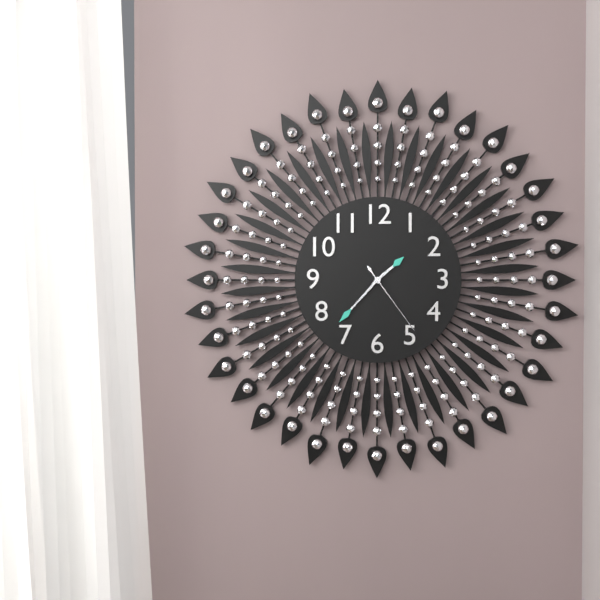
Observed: 1 h 37 min 24 s
